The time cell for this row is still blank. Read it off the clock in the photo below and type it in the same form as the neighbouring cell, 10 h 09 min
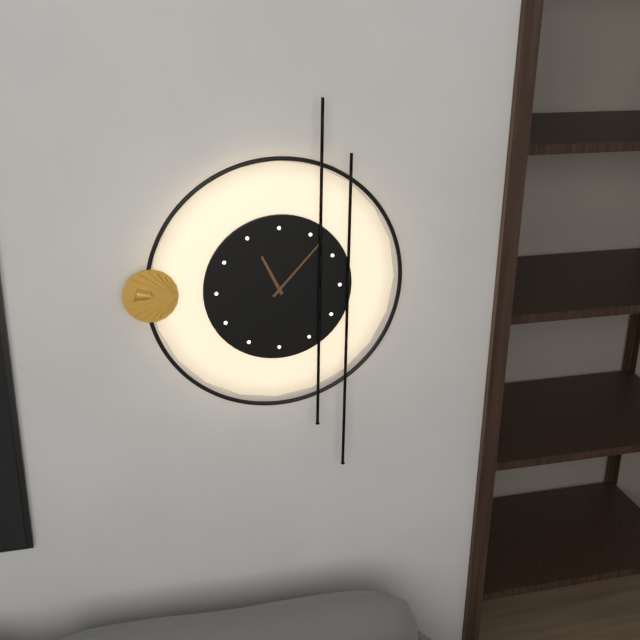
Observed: 11 h 07 min
